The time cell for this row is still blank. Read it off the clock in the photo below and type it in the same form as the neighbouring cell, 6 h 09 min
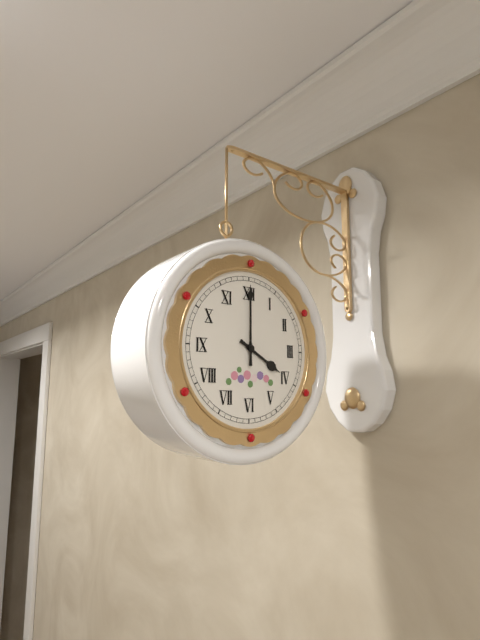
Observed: 4 h 00 min
